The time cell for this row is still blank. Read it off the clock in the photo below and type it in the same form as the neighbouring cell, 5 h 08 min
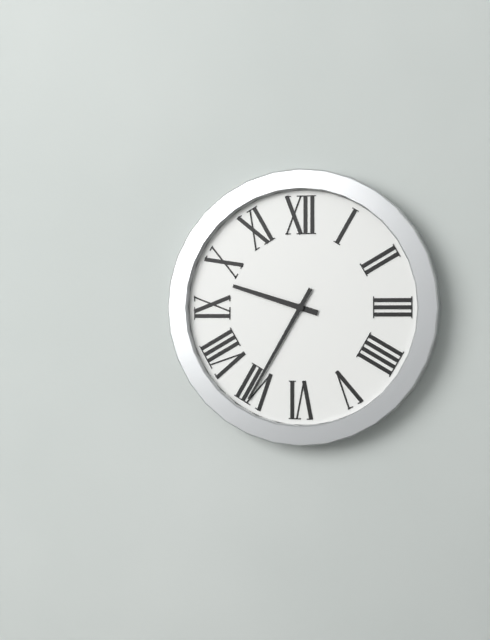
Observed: 9 h 35 min
